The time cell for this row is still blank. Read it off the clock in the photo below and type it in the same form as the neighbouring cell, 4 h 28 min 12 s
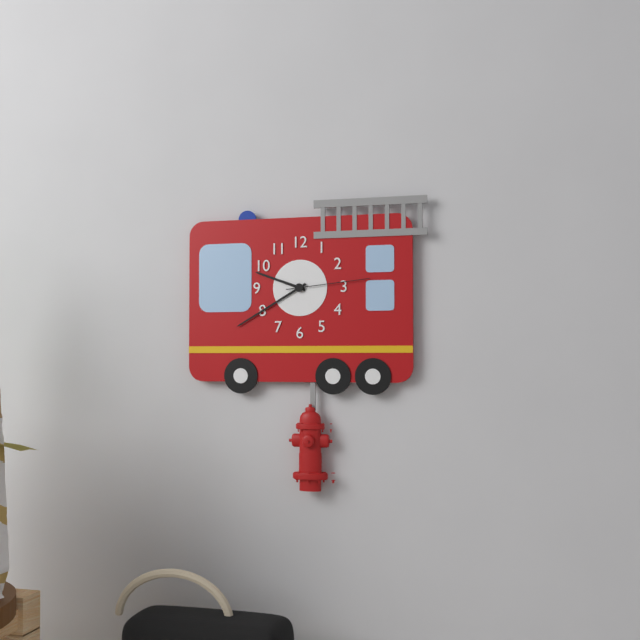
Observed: 9 h 40 min 14 s
